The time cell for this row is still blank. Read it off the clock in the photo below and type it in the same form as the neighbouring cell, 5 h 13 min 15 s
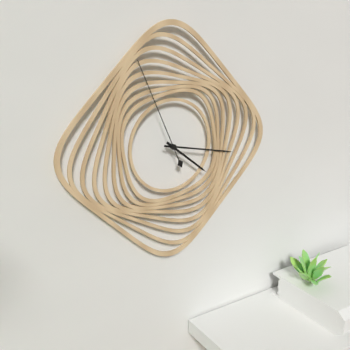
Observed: 4 h 17 min 56 s
